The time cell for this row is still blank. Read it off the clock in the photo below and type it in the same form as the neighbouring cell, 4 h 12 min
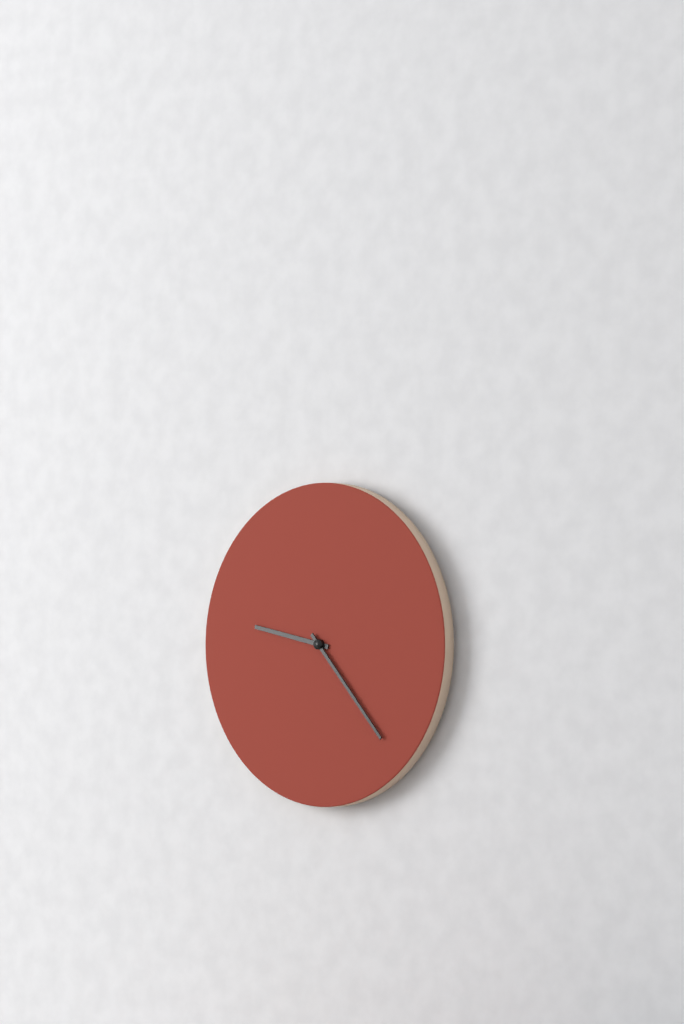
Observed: 9 h 23 min
